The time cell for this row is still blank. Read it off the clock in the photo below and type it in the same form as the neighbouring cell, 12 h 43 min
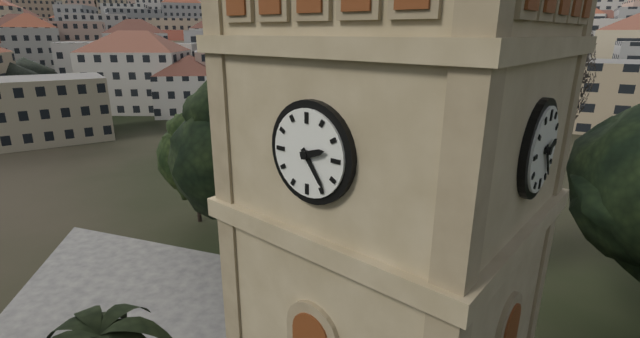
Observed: 2 h 24 min
